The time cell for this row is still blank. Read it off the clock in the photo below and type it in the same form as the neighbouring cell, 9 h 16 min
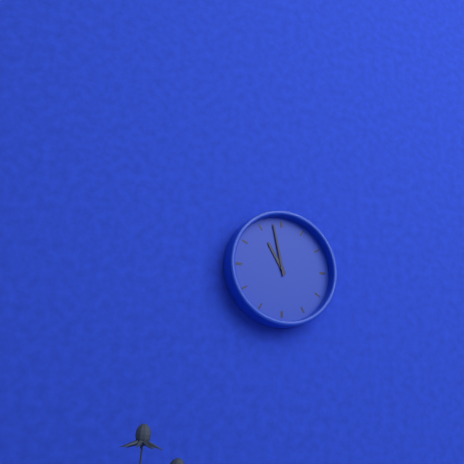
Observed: 10 h 58 min
